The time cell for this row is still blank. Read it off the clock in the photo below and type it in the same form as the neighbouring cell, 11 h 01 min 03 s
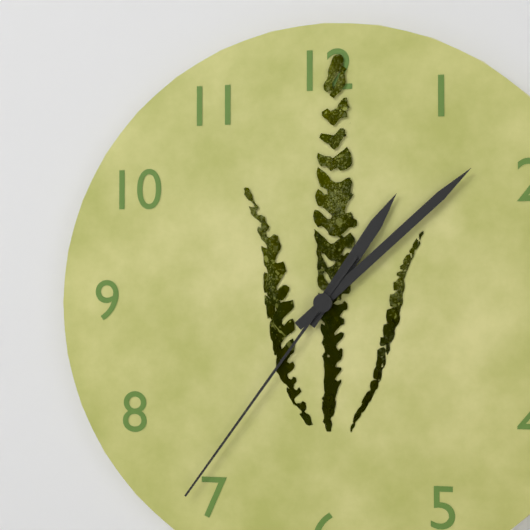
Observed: 1 h 08 min 36 s
